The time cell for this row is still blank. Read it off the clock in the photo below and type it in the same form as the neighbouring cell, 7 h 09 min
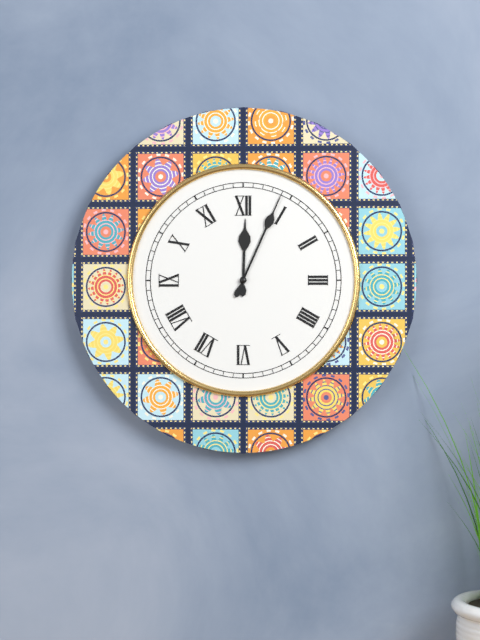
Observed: 12 h 04 min
